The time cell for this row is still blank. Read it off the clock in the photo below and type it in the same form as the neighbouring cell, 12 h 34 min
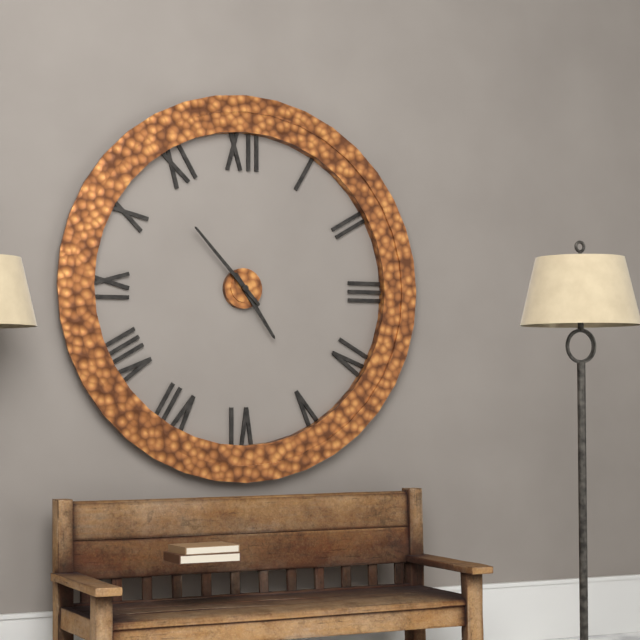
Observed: 4 h 53 min
